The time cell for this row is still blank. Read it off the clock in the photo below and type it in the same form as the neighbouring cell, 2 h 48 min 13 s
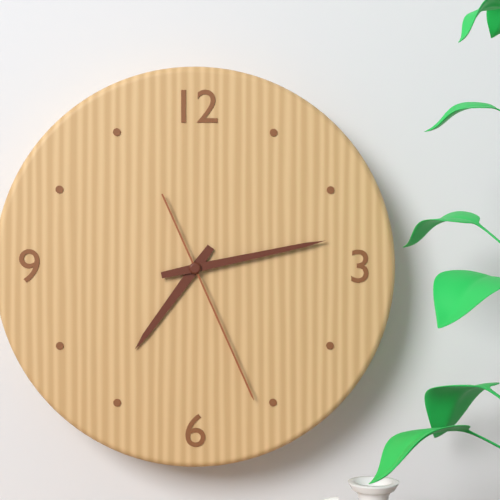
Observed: 7 h 13 min 26 s
